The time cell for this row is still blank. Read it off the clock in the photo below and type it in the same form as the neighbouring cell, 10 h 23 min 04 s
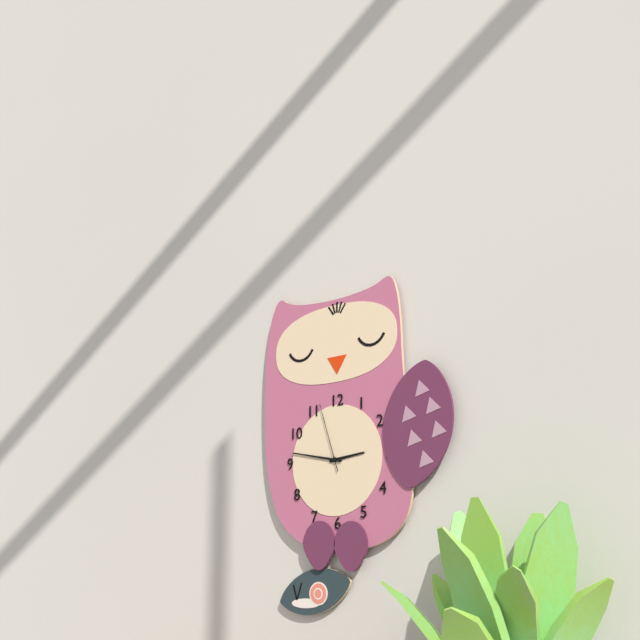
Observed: 2 h 47 min 57 s
